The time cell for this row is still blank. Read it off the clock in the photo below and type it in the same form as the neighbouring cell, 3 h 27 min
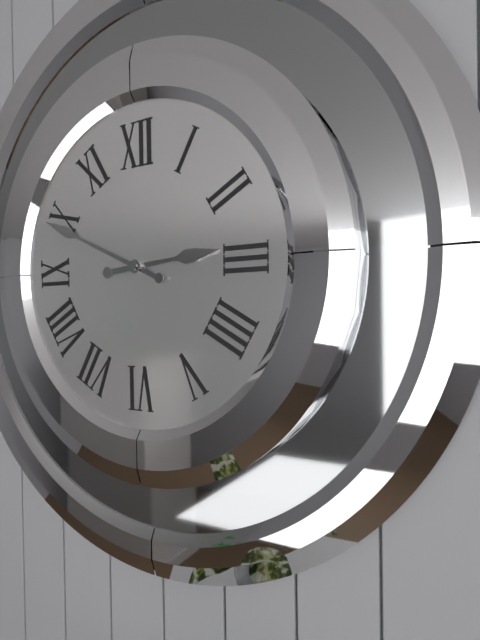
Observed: 2 h 49 min
